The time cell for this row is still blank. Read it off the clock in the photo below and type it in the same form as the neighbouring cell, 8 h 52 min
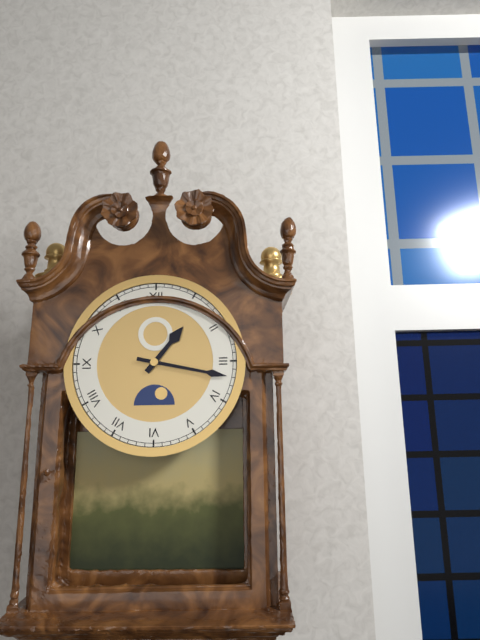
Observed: 1 h 17 min
